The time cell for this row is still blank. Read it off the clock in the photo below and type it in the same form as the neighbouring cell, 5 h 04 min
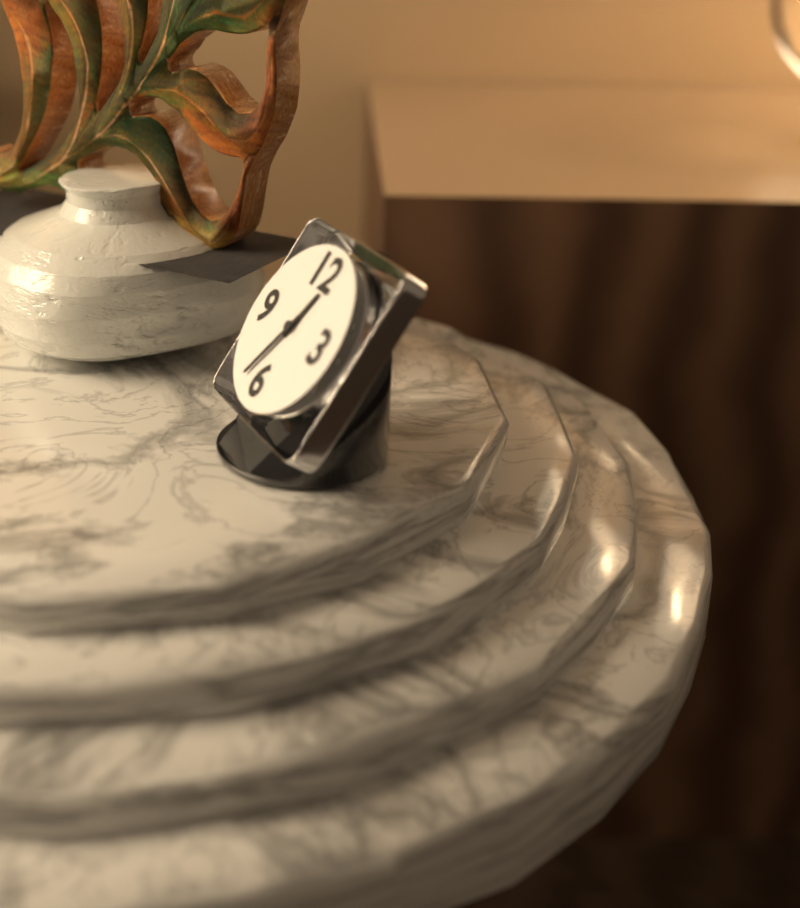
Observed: 12 h 34 min
